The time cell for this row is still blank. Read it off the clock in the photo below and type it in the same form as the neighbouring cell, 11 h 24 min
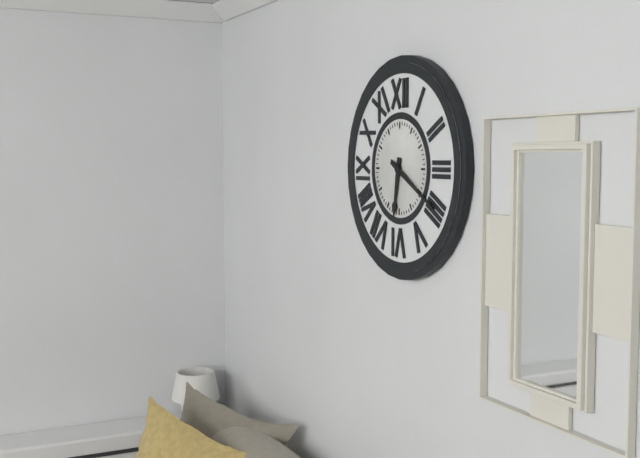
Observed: 6 h 20 min
